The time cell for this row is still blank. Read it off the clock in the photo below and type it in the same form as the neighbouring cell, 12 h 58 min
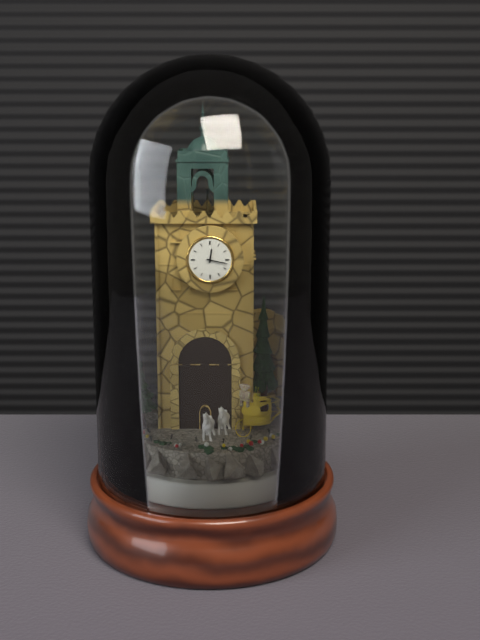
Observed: 12 h 17 min
